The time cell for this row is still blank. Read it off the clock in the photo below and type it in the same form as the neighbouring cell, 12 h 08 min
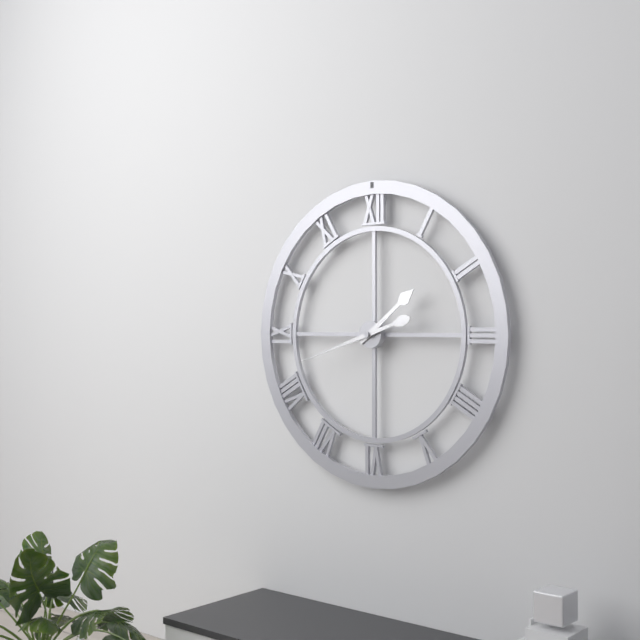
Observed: 1 h 42 min
